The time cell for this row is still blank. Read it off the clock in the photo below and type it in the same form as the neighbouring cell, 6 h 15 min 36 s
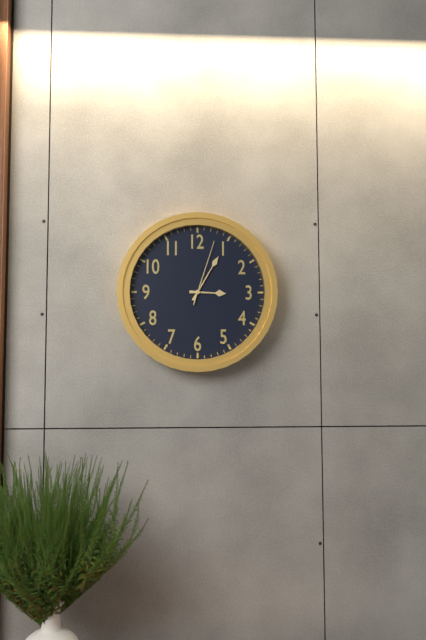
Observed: 3 h 05 min 03 s
